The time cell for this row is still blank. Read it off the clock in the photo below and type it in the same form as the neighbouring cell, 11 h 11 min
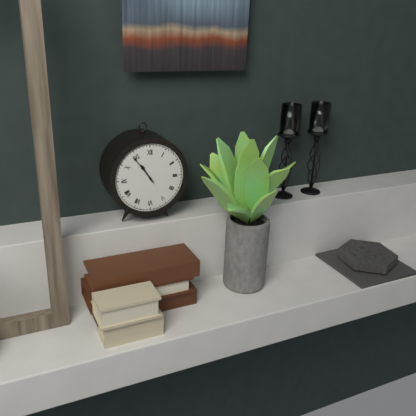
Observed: 10 h 54 min
